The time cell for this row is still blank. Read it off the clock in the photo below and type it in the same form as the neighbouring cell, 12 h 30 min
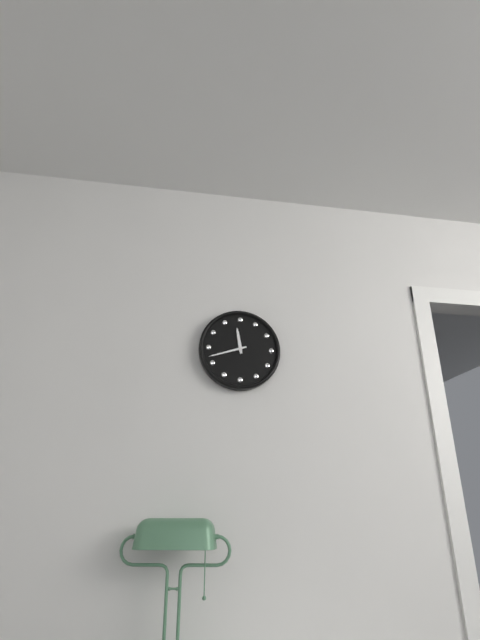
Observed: 11 h 42 min
